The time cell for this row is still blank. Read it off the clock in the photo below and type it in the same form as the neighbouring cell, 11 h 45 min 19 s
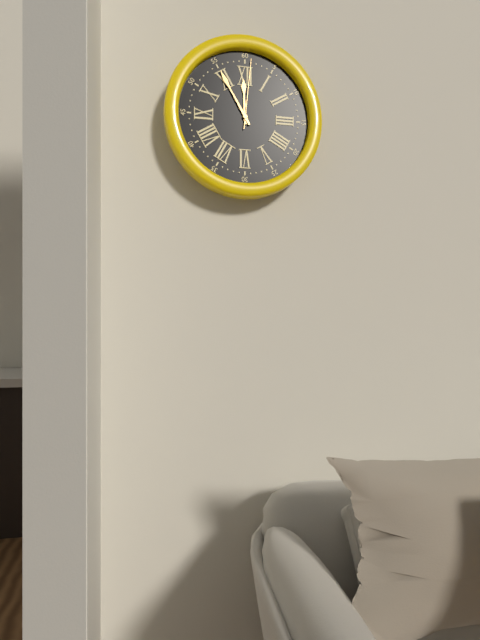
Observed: 11 h 55 min 01 s
